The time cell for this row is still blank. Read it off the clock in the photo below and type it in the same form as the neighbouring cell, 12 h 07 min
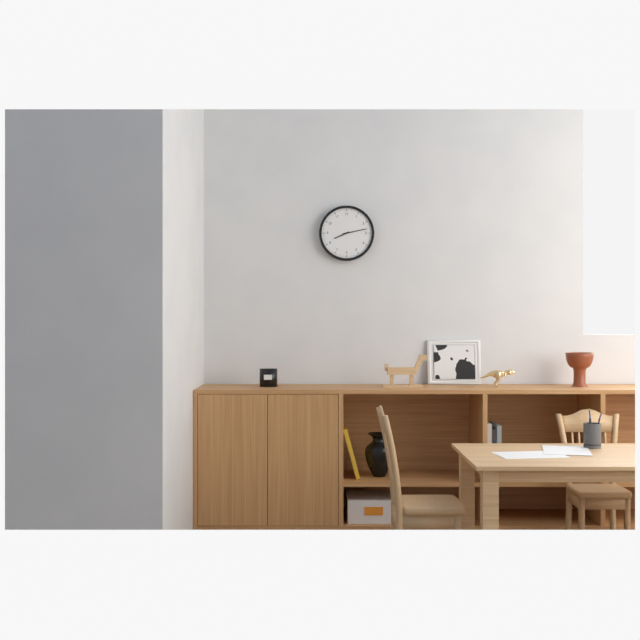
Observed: 8 h 13 min
